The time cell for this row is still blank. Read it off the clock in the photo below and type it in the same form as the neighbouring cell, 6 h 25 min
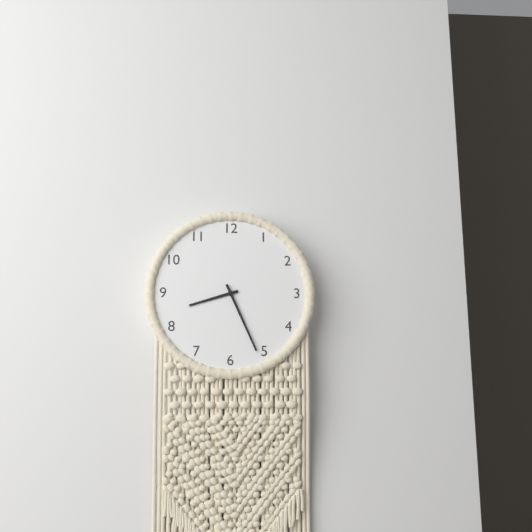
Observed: 8 h 26 min
